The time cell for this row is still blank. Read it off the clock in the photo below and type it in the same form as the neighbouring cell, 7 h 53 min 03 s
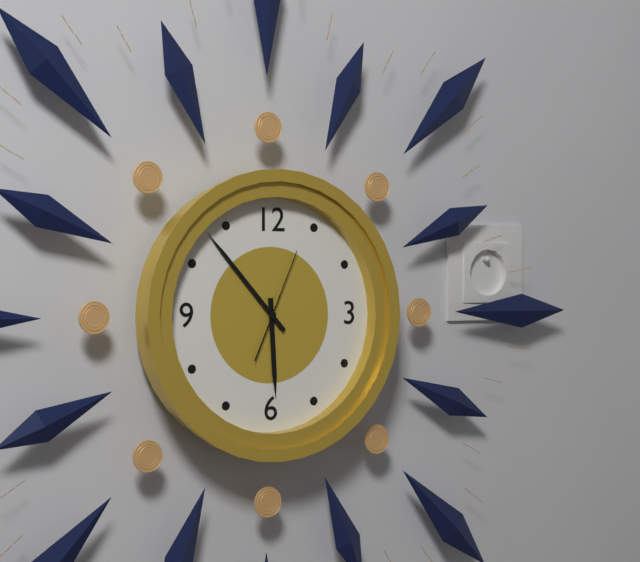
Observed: 5 h 53 min 04 s
